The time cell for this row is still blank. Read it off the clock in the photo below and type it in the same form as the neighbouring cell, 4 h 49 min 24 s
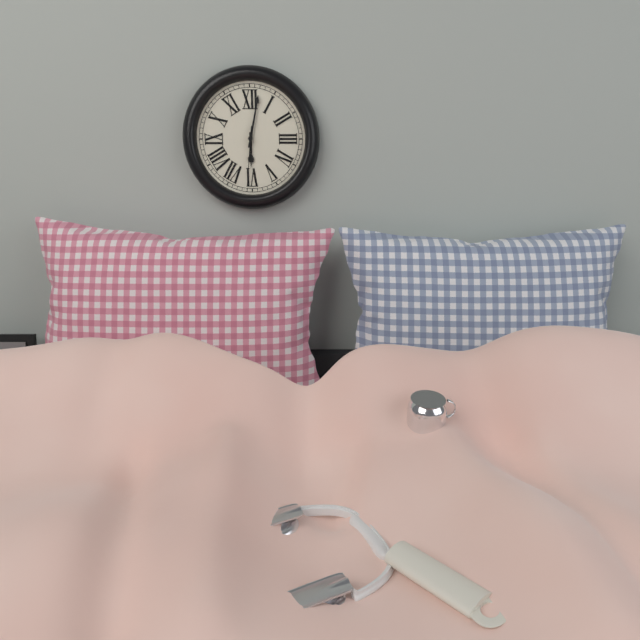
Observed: 6 h 02 min 31 s
